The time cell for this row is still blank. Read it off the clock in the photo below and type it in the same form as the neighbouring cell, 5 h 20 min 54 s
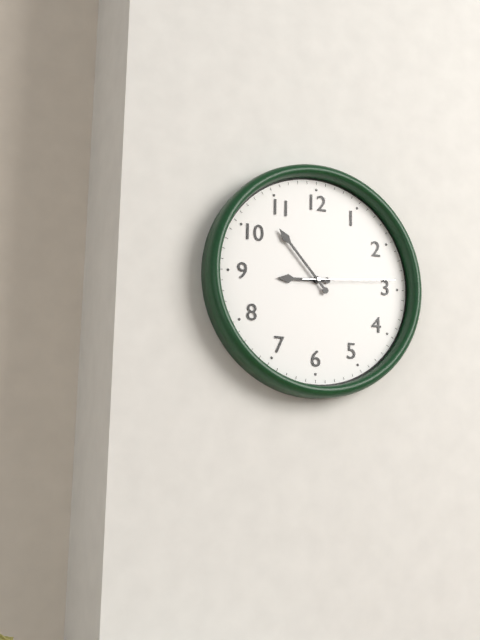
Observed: 8 h 53 min 14 s
